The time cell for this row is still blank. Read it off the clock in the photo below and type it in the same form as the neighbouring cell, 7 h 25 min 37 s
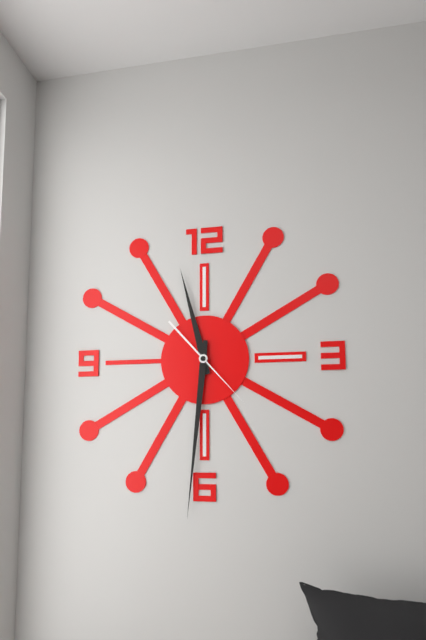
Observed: 11 h 31 min 23 s
